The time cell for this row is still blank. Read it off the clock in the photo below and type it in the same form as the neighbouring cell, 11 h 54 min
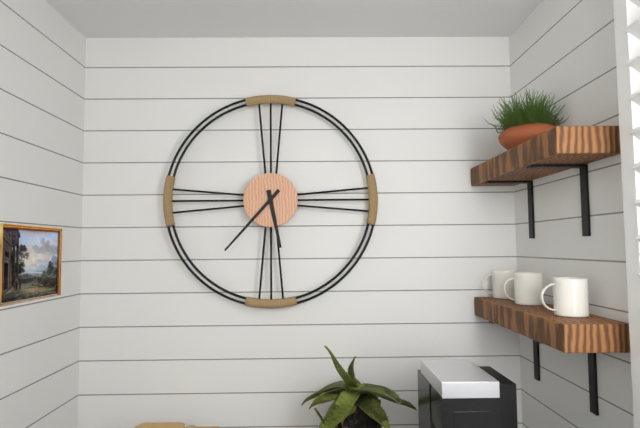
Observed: 5 h 37 min
